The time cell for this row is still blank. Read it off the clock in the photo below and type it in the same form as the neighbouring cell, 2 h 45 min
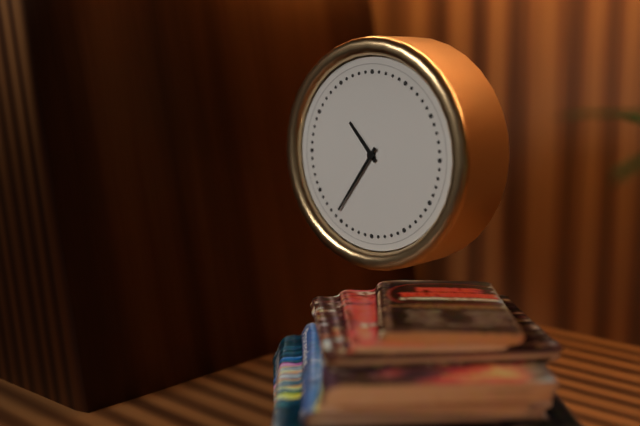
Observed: 10 h 36 min
